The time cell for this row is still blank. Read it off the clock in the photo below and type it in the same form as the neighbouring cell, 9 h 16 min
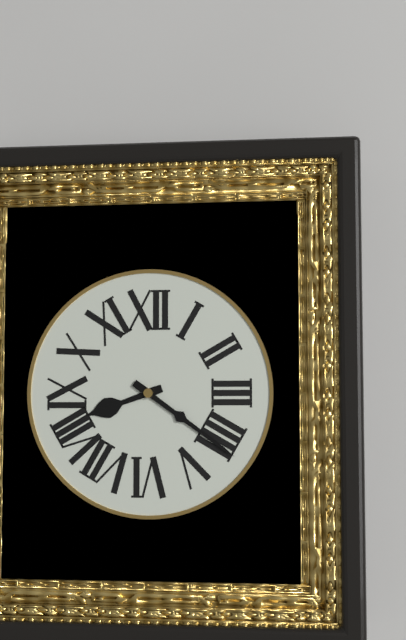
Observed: 8 h 21 min
